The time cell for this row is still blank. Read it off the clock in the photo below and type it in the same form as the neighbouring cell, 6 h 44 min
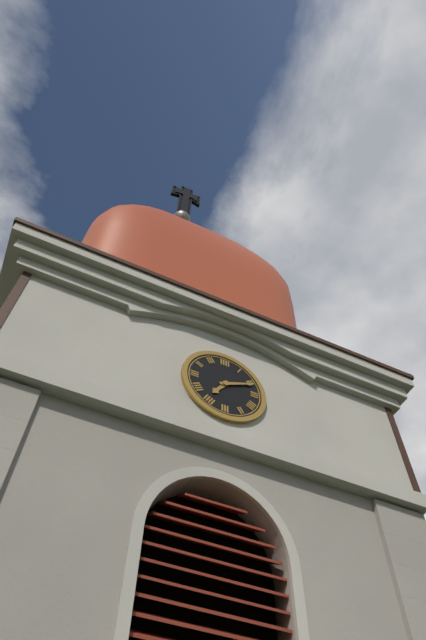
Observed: 7 h 11 min
